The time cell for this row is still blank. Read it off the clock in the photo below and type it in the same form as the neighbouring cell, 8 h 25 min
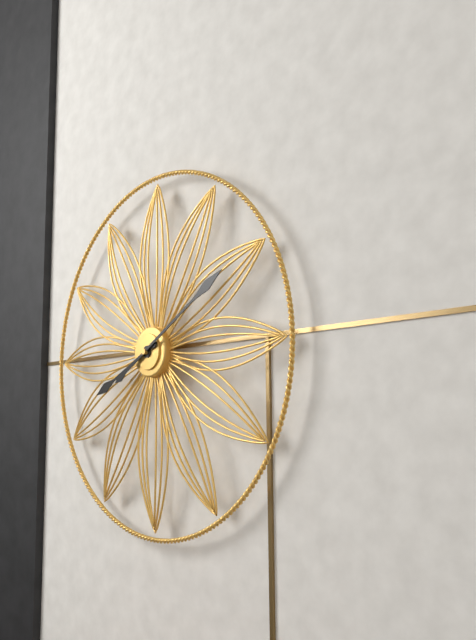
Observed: 8 h 10 min
